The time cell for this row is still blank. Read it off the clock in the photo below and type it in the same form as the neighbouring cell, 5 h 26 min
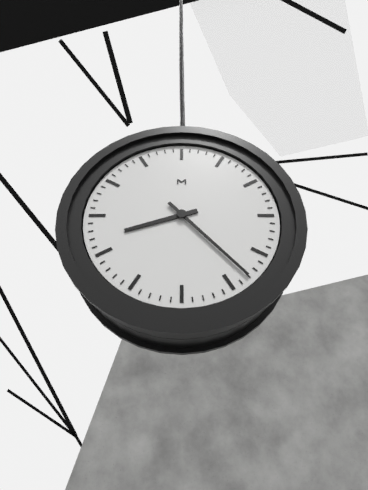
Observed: 8 h 23 min
